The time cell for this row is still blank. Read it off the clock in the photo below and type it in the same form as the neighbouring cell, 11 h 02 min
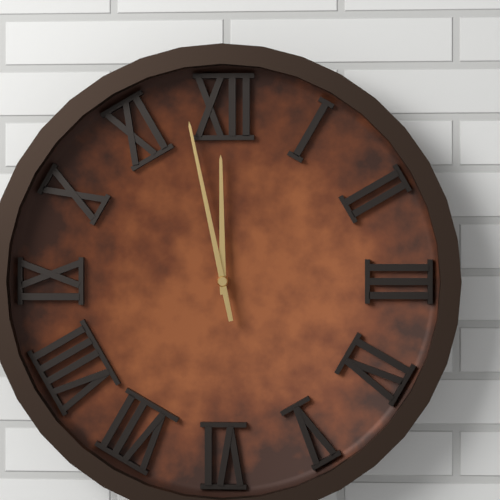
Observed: 11 h 58 min
